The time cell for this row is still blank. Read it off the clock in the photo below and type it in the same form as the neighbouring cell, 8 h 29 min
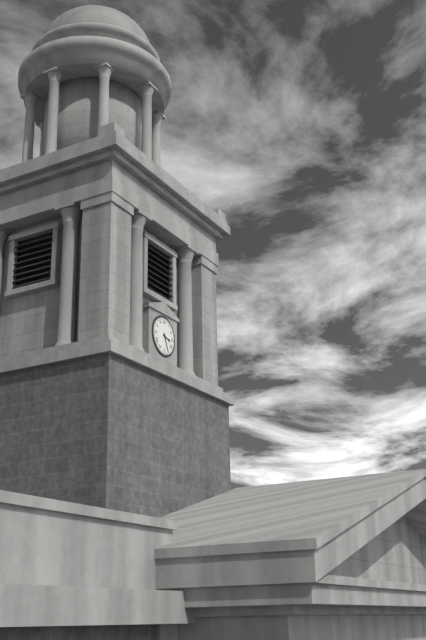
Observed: 3 h 26 min
